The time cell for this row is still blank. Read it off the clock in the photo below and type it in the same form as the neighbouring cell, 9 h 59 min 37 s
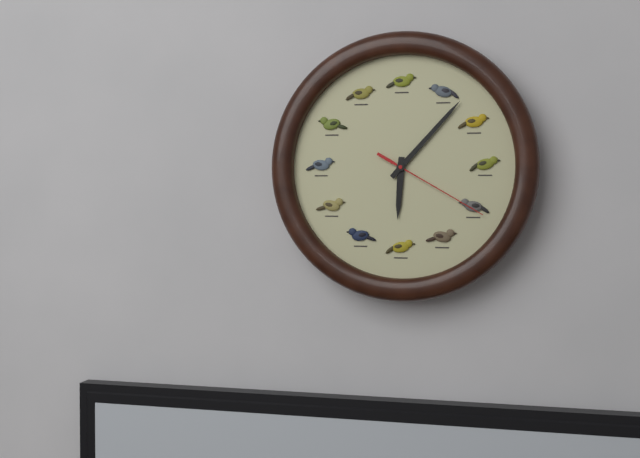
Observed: 6 h 07 min 20 s
